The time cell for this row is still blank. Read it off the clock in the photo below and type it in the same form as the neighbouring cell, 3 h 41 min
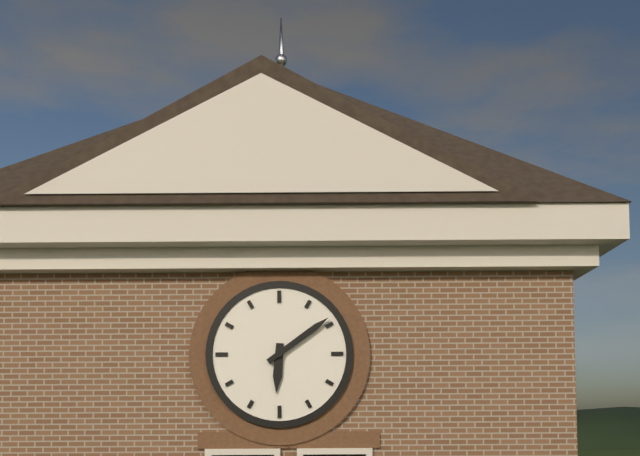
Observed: 6 h 09 min
